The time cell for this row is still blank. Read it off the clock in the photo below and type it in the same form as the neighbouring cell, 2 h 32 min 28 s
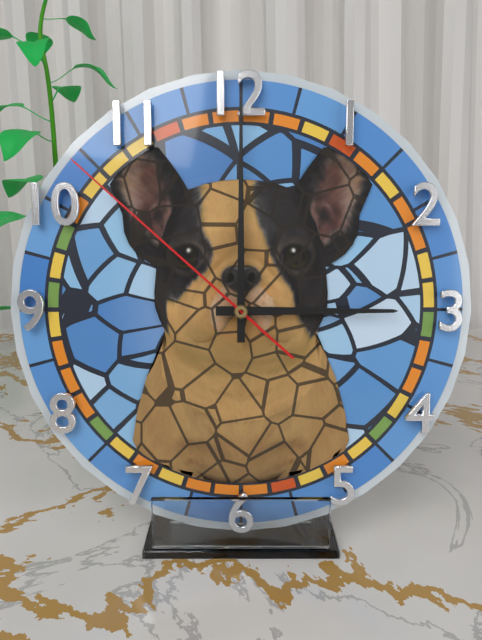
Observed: 3 h 00 min 52 s
